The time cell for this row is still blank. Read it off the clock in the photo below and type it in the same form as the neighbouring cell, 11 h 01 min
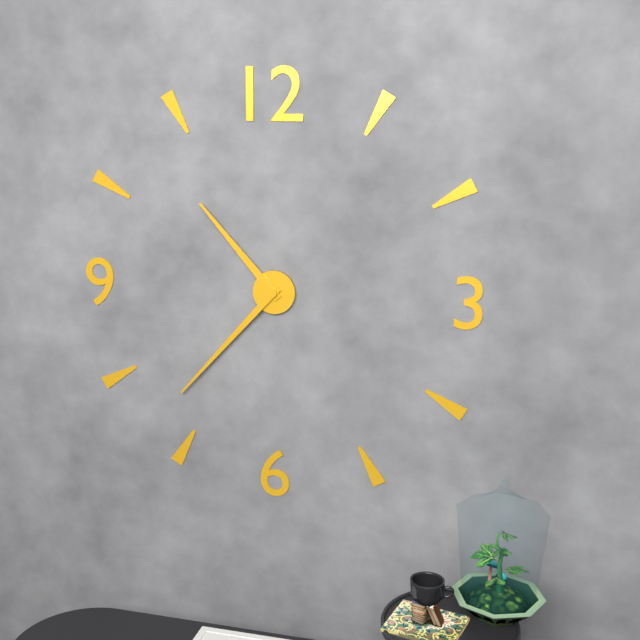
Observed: 10 h 37 min
